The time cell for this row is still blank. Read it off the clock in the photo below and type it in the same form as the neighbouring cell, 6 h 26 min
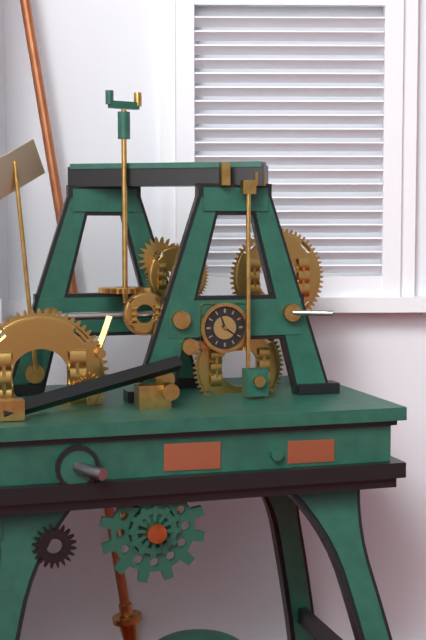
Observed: 11 h 21 min
